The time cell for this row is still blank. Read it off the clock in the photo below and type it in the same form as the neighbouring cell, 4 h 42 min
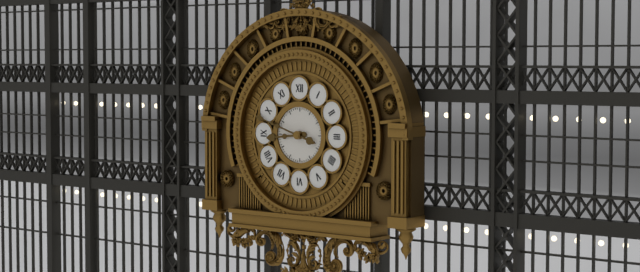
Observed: 8 h 48 min
